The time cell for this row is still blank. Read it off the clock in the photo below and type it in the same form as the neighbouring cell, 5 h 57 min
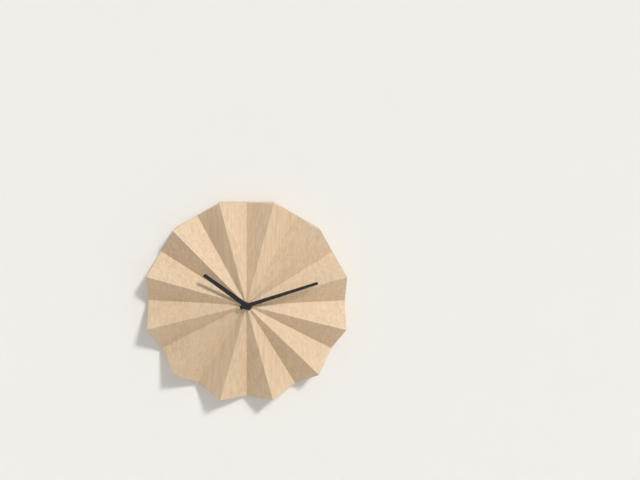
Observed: 10 h 12 min
